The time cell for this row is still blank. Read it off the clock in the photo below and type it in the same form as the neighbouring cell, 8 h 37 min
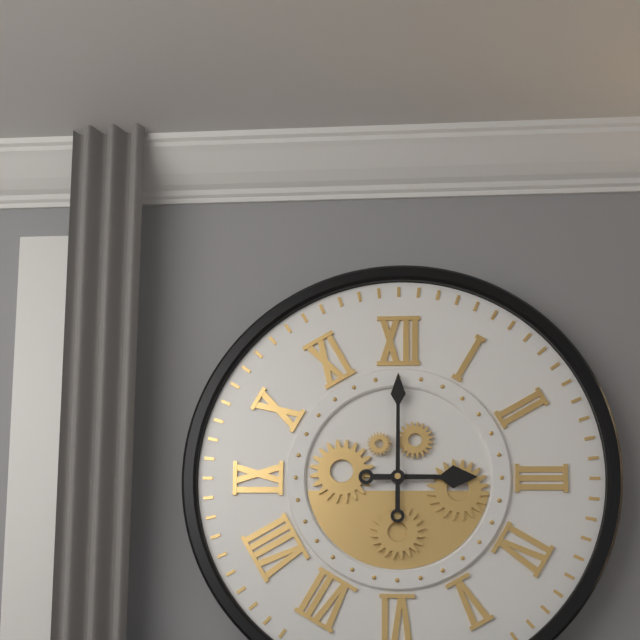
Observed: 3 h 00 min
